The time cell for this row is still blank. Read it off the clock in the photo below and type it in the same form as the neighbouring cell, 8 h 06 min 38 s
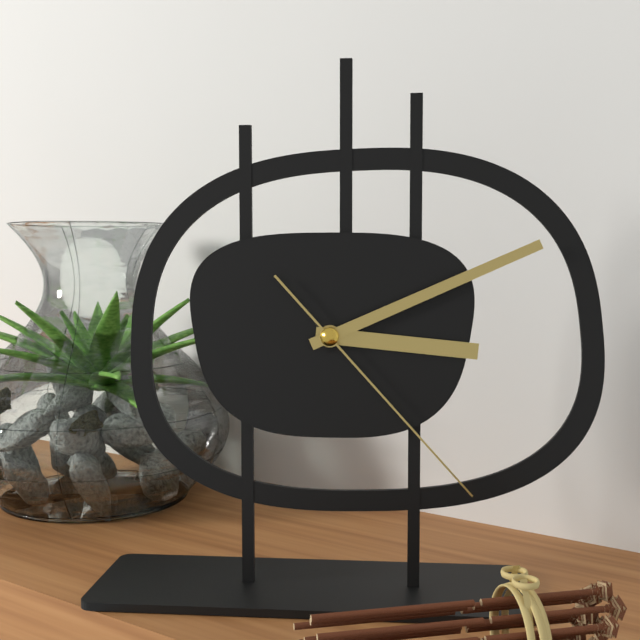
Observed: 3 h 11 min 23 s
